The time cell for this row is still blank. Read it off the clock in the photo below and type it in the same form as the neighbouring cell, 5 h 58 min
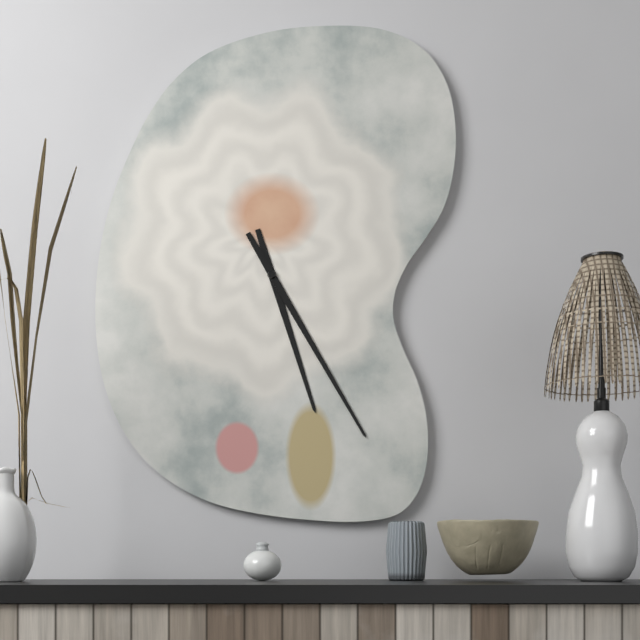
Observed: 5 h 25 min
